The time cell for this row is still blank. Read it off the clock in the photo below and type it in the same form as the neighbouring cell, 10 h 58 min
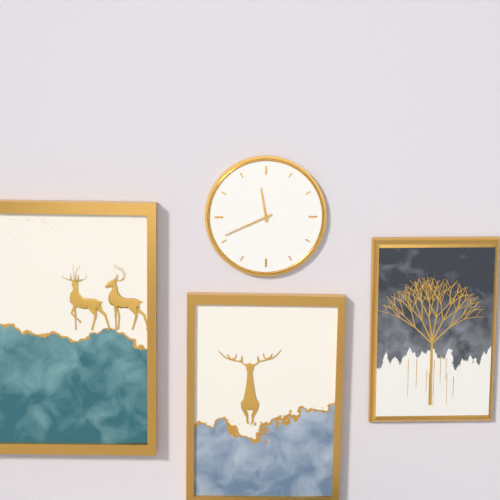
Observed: 11 h 41 min
